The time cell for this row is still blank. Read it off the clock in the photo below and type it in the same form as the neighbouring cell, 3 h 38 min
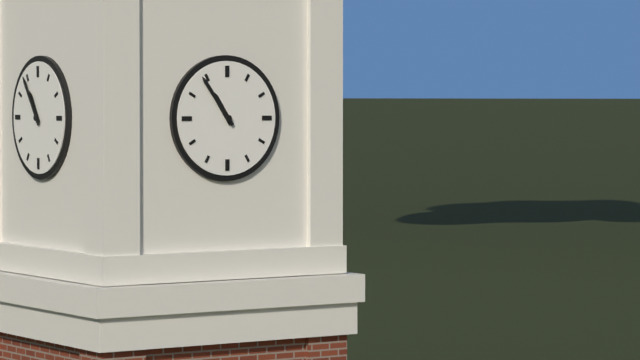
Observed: 10 h 54 min
